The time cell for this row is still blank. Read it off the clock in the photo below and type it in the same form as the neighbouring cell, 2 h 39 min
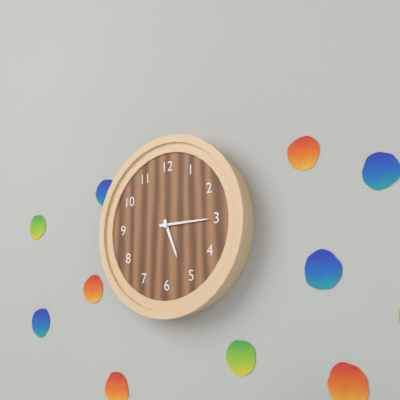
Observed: 5 h 15 min
